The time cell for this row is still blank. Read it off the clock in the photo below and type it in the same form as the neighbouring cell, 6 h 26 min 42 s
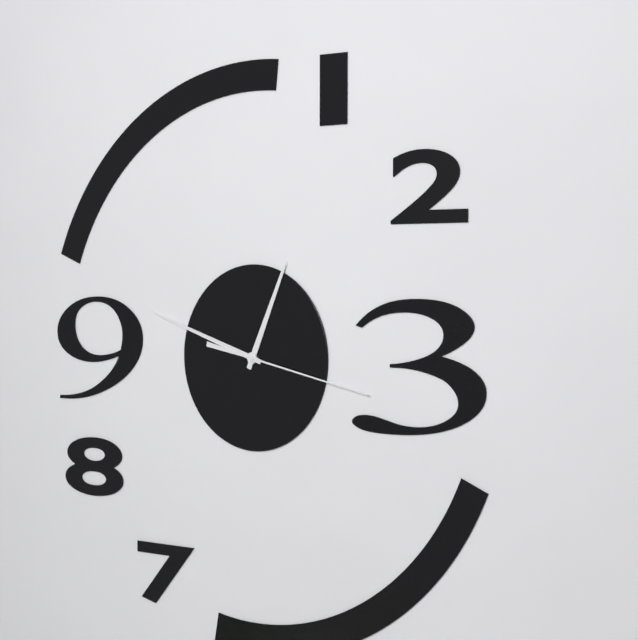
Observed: 12 h 48 min 17 s
